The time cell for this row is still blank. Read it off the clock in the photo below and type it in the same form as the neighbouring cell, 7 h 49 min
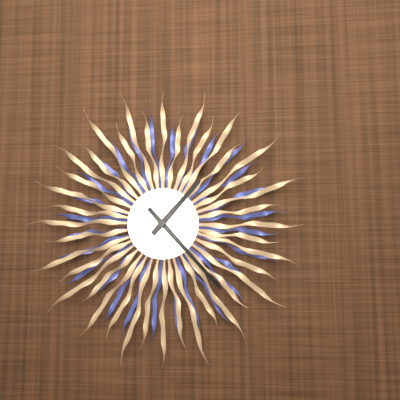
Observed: 1 h 23 min
